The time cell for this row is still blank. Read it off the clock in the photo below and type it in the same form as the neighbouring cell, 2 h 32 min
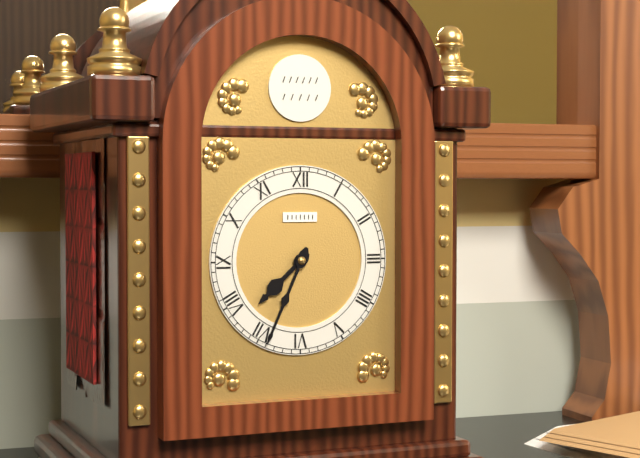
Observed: 7 h 34 min
